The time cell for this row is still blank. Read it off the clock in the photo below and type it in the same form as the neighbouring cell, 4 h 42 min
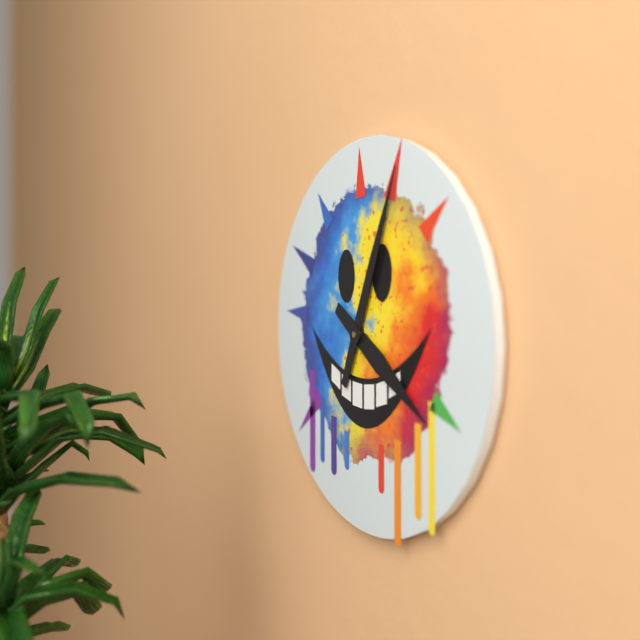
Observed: 4 h 04 min
